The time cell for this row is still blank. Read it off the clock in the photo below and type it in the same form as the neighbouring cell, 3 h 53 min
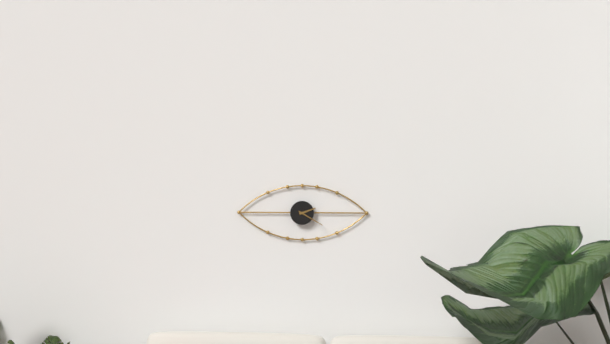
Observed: 2 h 20 min
